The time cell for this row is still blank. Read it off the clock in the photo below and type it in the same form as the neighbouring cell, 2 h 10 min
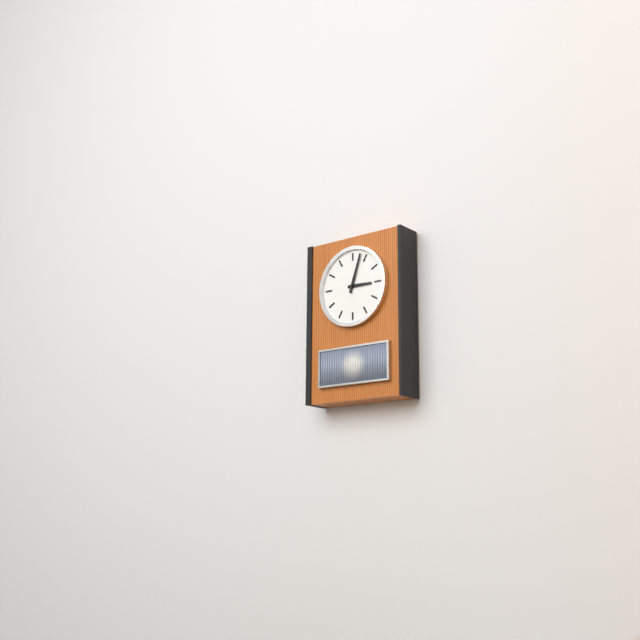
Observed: 3 h 03 min
